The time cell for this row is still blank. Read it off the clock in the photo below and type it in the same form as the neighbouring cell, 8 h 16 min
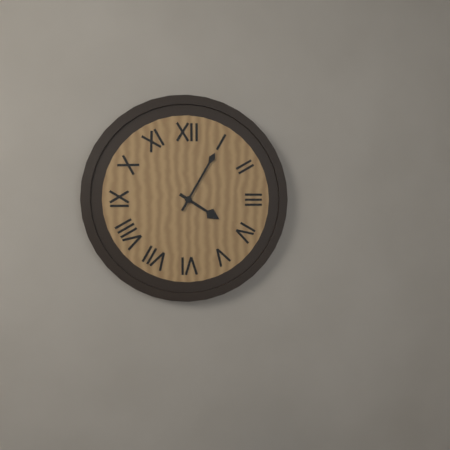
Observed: 4 h 05 min
